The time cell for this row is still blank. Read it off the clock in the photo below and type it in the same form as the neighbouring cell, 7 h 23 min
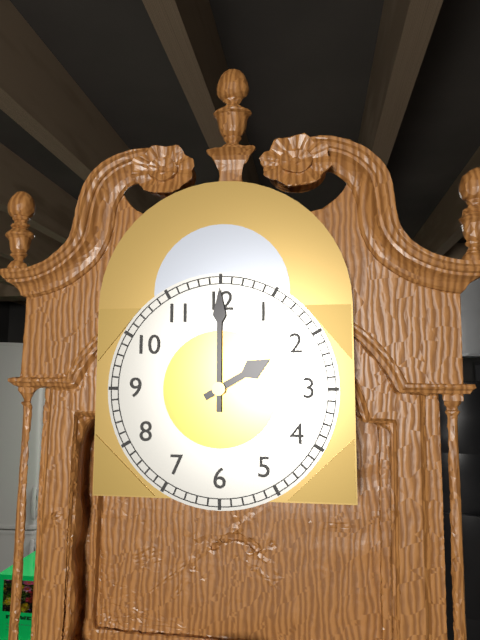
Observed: 2 h 00 min
